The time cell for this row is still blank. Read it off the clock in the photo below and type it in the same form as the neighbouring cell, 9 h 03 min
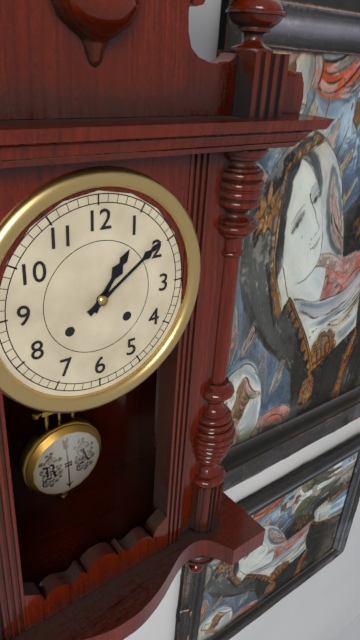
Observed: 1 h 09 min
